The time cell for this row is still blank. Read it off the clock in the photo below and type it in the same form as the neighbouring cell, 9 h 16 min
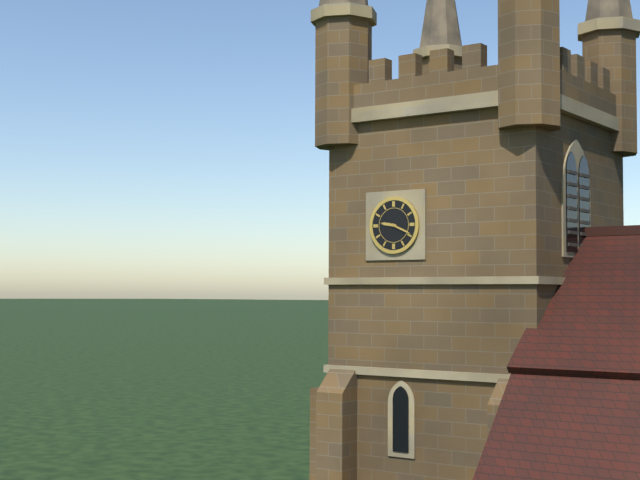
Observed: 9 h 19 min
